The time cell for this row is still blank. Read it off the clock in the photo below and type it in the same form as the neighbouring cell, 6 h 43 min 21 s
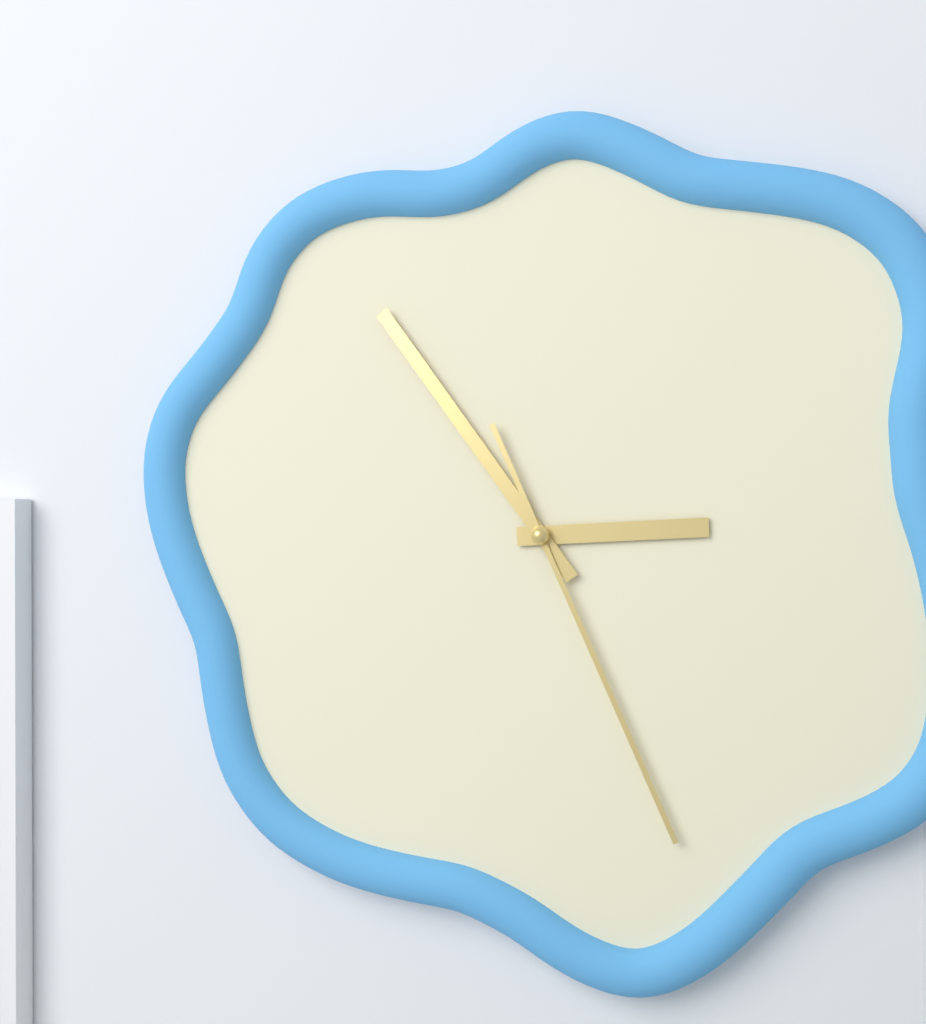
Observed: 2 h 54 min 26 s
